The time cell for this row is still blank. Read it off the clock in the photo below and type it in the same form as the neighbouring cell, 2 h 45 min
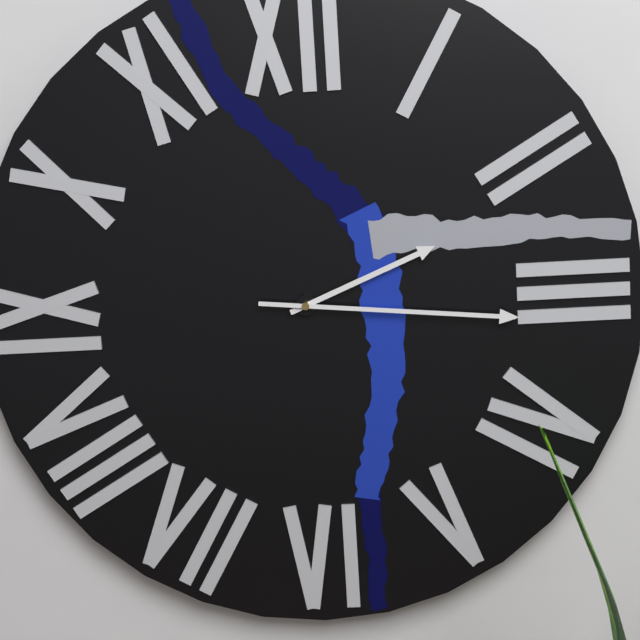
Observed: 2 h 16 min
